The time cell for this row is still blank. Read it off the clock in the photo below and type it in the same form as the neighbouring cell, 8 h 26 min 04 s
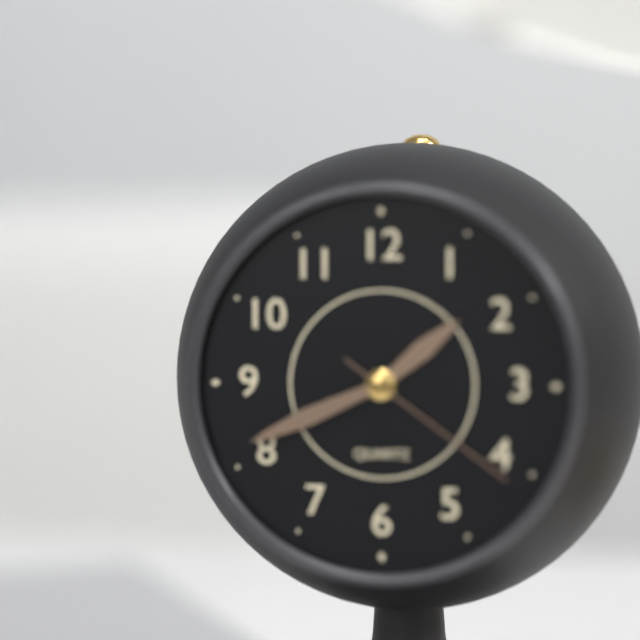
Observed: 1 h 41 min 21 s
